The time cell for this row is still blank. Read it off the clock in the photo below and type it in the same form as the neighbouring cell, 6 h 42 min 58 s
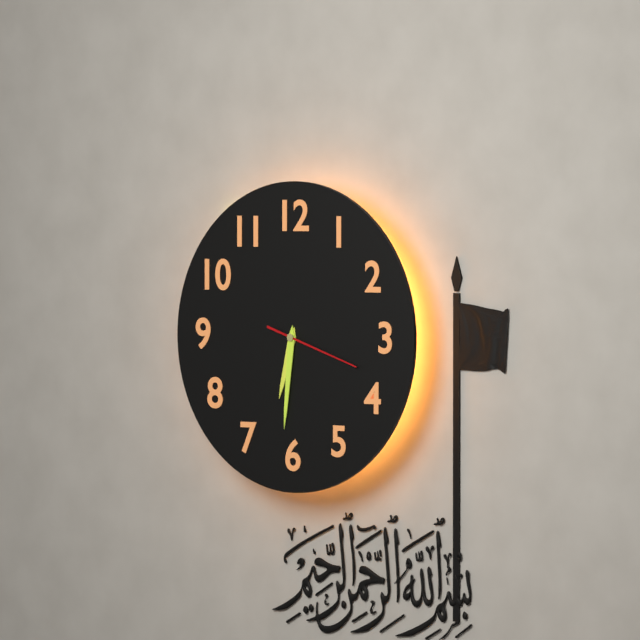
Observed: 6 h 31 min 18 s
